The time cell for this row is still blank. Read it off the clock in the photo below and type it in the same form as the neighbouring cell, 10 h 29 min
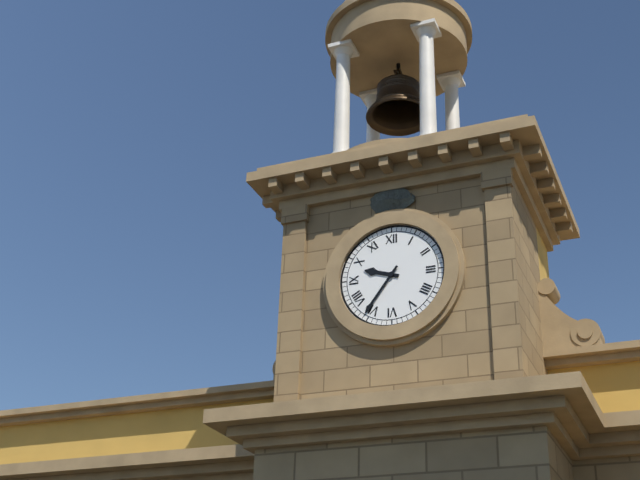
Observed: 9 h 36 min
